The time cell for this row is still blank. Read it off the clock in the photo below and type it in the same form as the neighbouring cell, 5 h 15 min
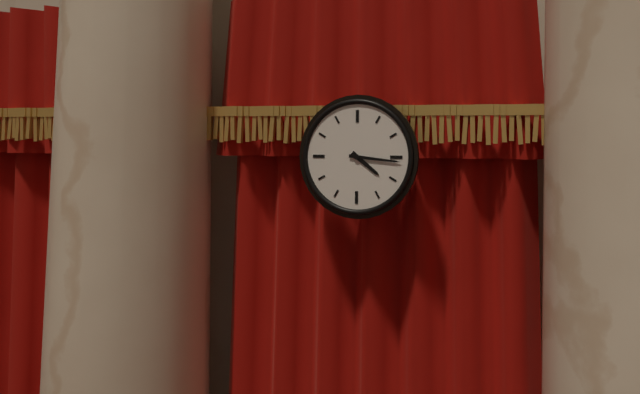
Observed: 4 h 16 min
